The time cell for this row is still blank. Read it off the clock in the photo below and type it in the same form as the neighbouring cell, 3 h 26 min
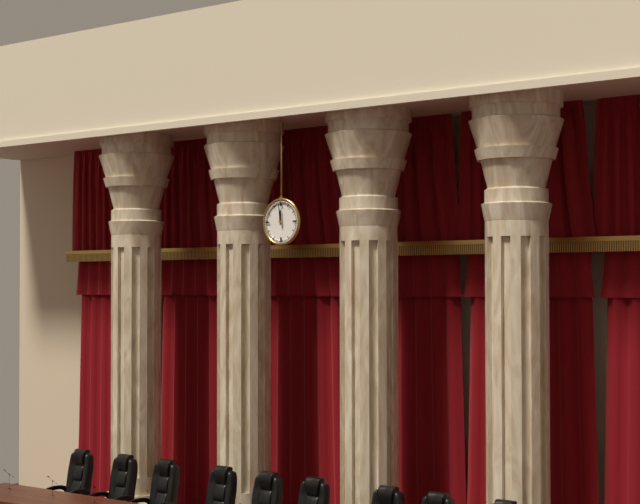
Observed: 11 h 59 min
